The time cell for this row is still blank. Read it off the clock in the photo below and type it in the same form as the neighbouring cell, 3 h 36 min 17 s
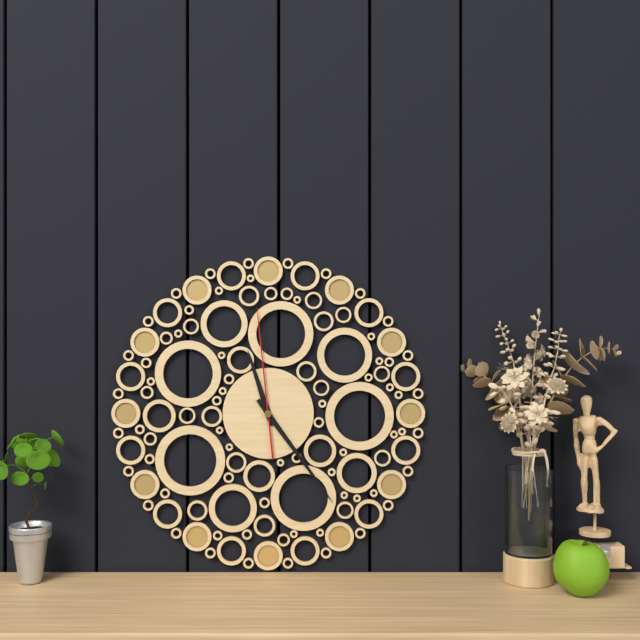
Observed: 11 h 24 min 59 s
